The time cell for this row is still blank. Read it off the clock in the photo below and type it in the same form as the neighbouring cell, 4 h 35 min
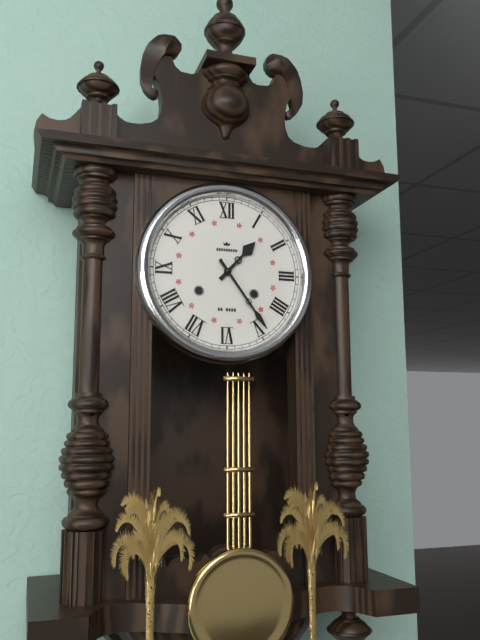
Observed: 1 h 24 min
